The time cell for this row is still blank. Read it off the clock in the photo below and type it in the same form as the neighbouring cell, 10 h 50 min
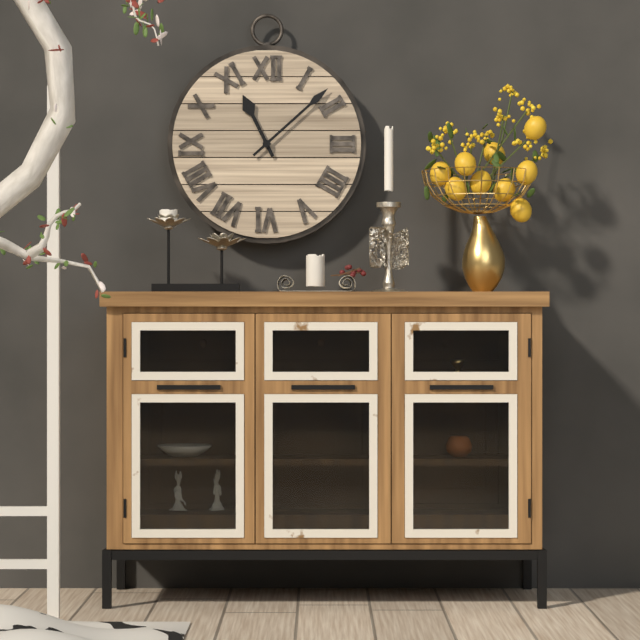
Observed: 11 h 08 min
